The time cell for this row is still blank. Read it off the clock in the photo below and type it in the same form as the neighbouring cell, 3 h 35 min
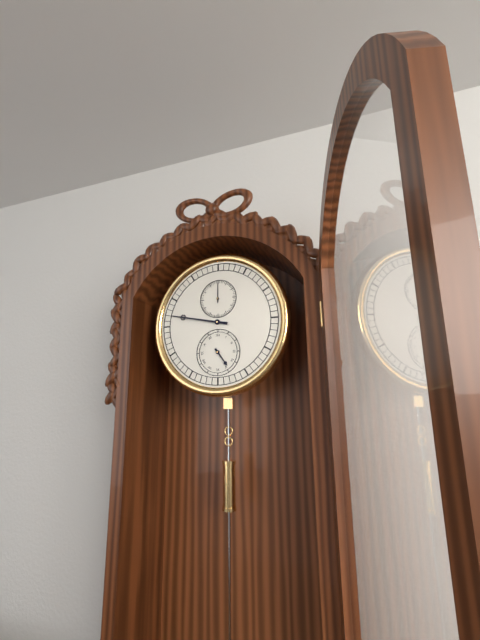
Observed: 4 h 47 min
